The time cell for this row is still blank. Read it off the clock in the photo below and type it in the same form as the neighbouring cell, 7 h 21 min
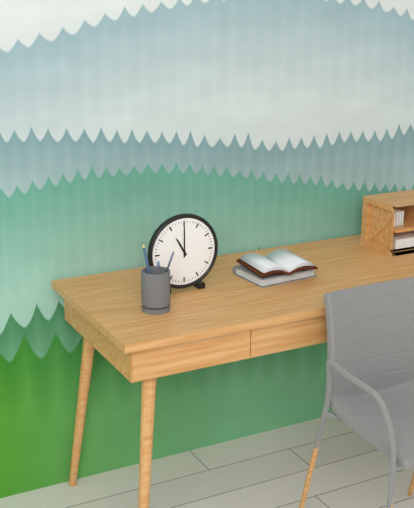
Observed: 11 h 00 min
